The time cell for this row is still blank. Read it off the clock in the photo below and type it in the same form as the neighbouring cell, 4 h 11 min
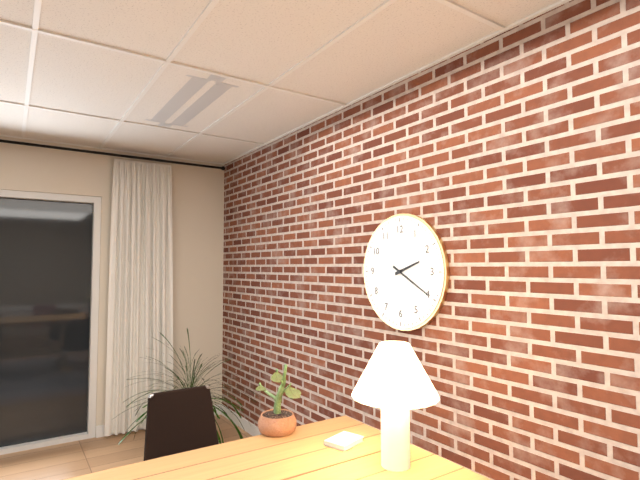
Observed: 2 h 20 min
